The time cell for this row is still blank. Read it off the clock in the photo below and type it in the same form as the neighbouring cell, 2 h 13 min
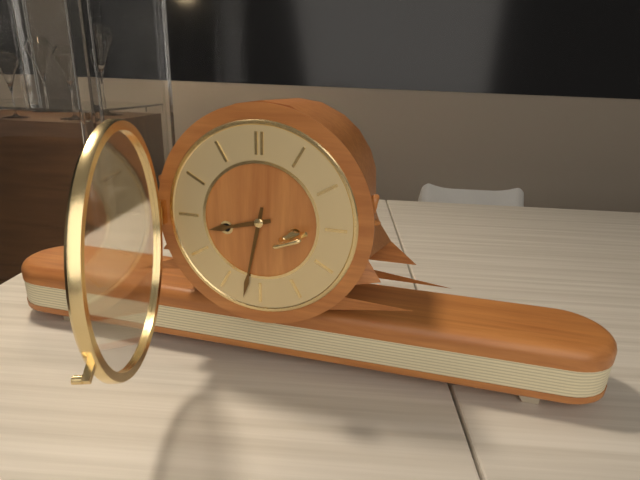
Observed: 8 h 32 min
